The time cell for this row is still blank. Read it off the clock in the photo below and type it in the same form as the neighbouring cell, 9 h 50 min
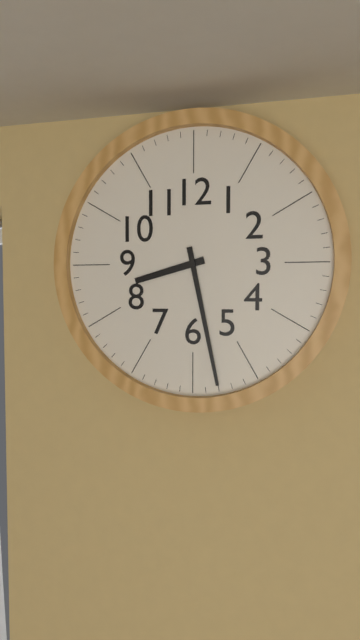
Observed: 8 h 28 min
